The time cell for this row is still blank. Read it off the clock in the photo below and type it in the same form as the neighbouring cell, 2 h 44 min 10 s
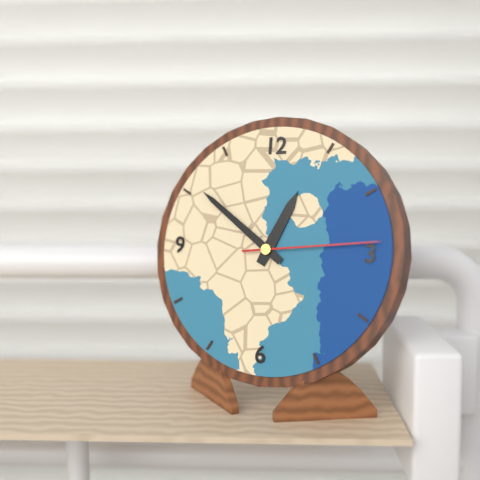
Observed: 12 h 51 min 14 s
